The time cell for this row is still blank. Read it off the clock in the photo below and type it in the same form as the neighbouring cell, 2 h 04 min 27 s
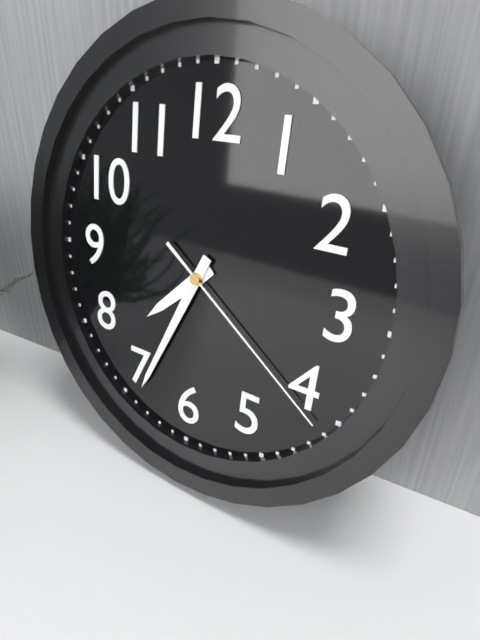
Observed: 7 h 34 min 21 s
